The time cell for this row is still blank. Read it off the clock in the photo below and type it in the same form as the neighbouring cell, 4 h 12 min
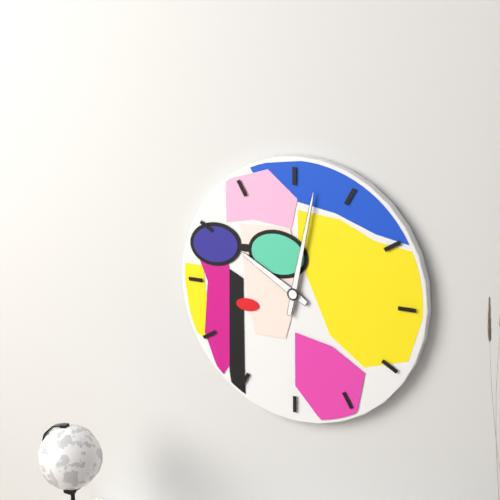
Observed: 10 h 02 min
